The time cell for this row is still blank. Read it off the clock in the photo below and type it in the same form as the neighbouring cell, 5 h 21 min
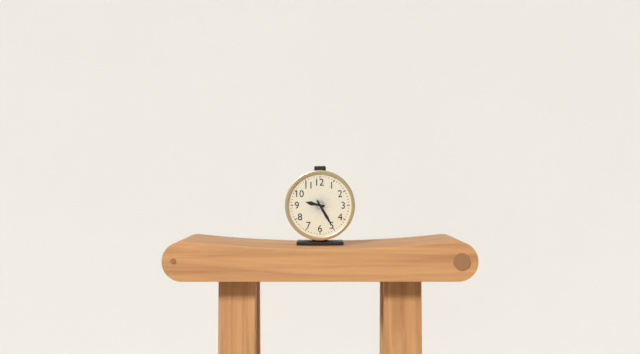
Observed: 9 h 25 min
